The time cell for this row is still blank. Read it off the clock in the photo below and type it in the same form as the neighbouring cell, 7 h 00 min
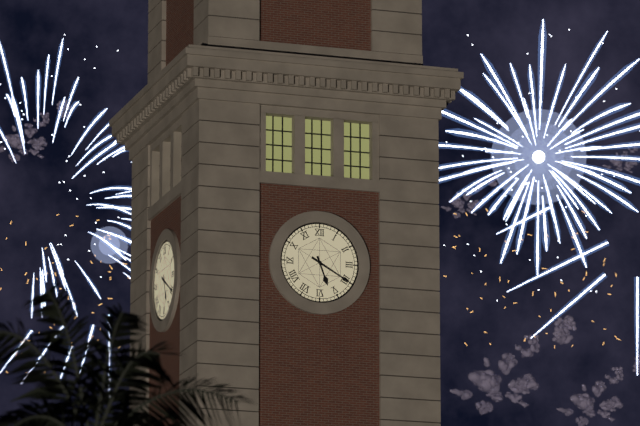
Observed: 5 h 20 min
